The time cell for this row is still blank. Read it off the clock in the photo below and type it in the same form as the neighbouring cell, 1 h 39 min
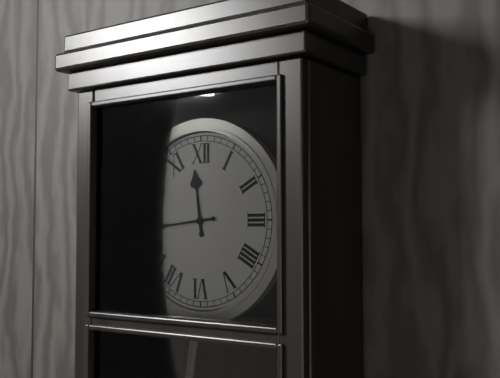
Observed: 11 h 44 min
